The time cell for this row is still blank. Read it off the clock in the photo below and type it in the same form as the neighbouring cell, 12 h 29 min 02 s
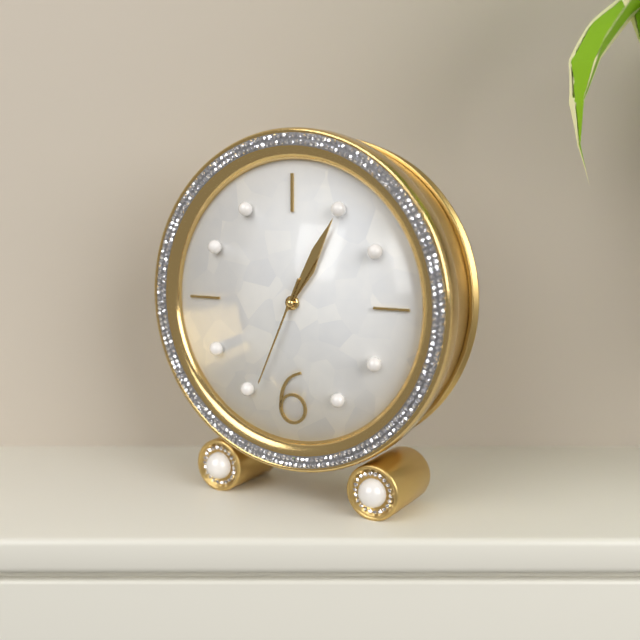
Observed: 1 h 05 min 34 s
